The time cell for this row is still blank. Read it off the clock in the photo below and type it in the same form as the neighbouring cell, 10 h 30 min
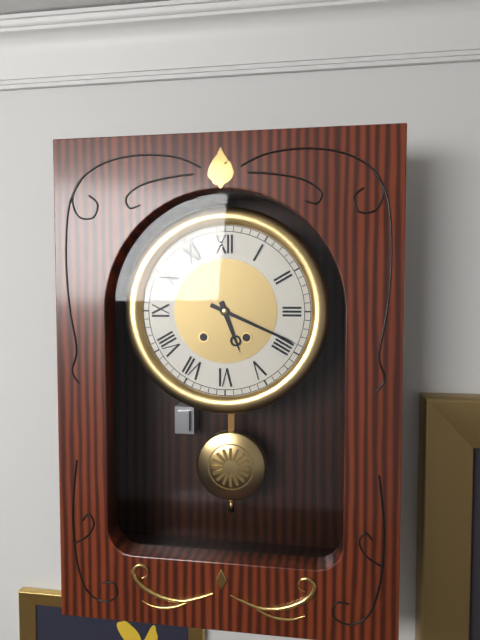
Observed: 5 h 19 min
